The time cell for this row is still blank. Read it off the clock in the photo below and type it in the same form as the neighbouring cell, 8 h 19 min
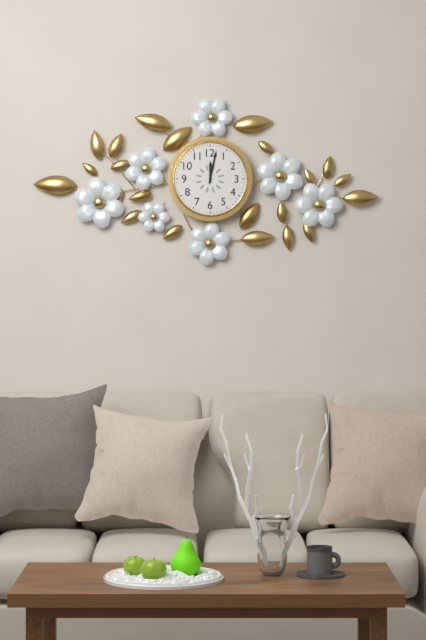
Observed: 12 h 02 min
